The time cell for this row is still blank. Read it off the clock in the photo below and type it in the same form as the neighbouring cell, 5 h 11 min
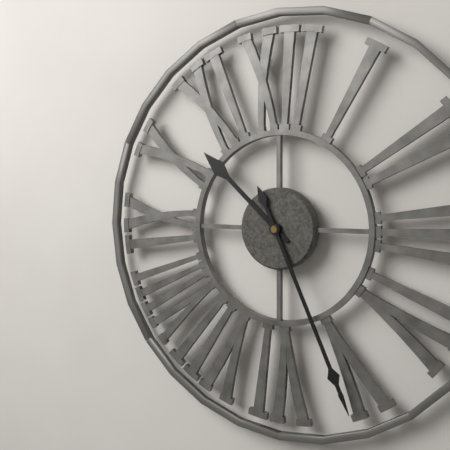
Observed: 10 h 26 min
